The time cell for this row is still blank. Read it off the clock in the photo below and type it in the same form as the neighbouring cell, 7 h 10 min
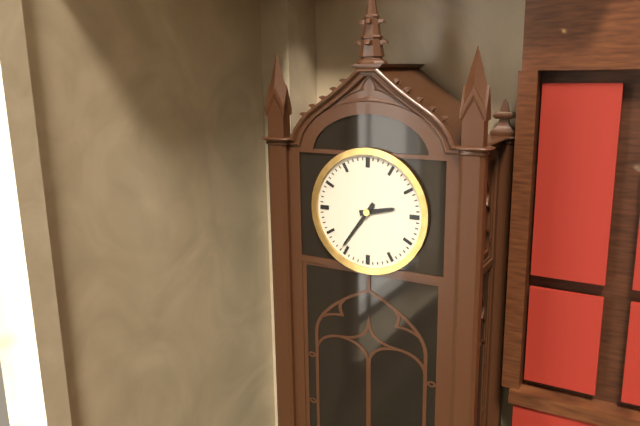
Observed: 2 h 36 min
